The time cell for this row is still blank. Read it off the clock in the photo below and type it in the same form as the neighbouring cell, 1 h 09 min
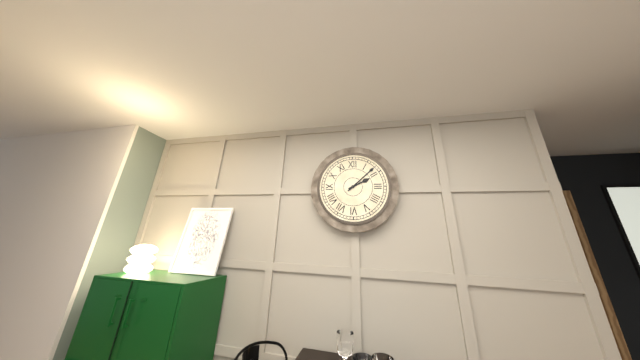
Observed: 2 h 08 min
